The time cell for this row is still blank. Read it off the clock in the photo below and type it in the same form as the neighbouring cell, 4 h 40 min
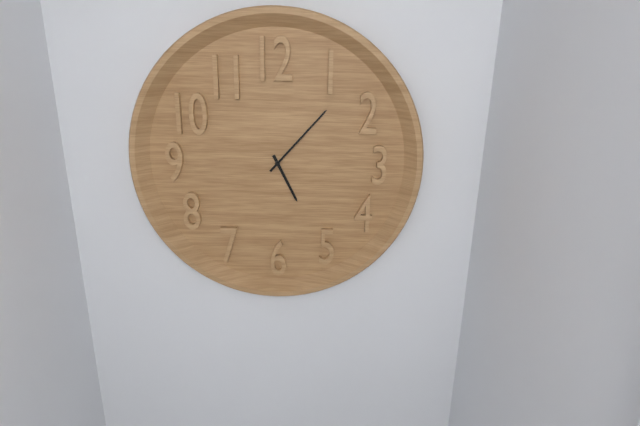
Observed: 5 h 07 min
